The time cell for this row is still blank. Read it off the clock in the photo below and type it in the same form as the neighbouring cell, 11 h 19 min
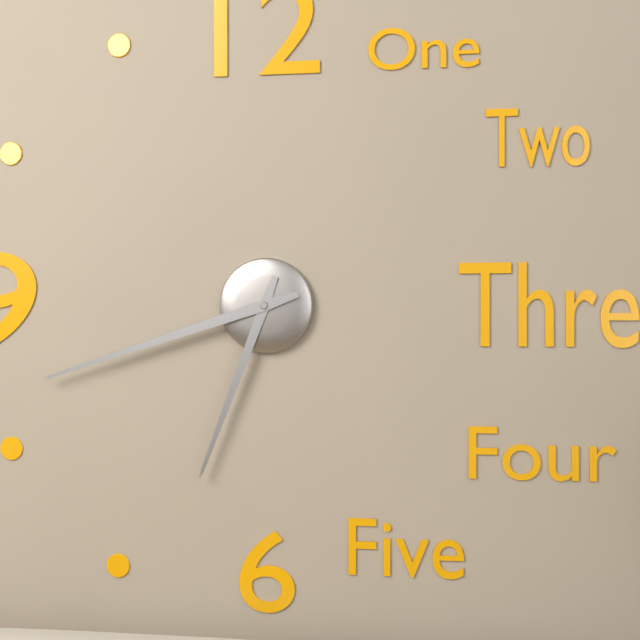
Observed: 6 h 42 min
